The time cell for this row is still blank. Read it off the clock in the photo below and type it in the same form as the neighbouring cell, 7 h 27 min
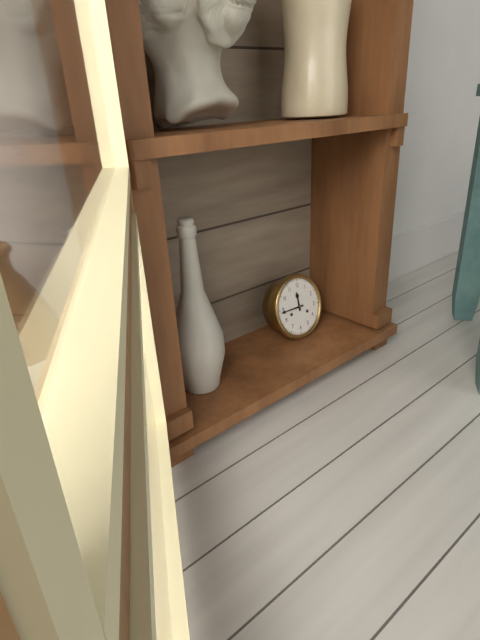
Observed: 11 h 44 min
